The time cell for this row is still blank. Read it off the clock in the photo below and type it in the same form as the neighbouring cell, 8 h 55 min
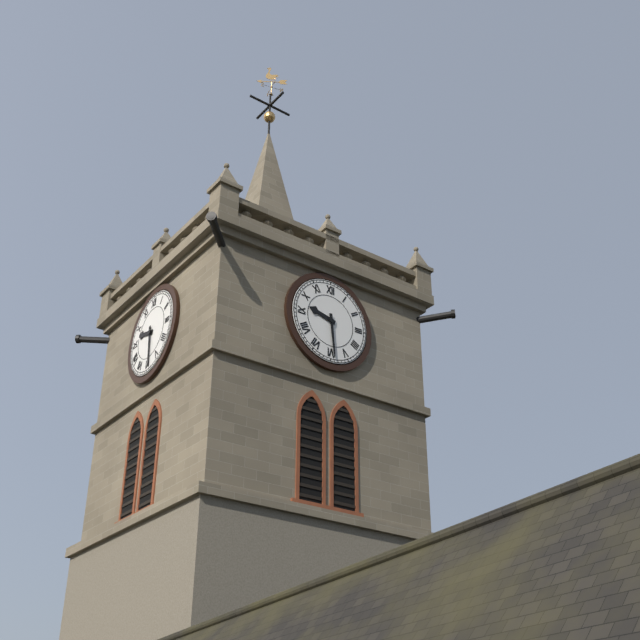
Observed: 9 h 29 min
